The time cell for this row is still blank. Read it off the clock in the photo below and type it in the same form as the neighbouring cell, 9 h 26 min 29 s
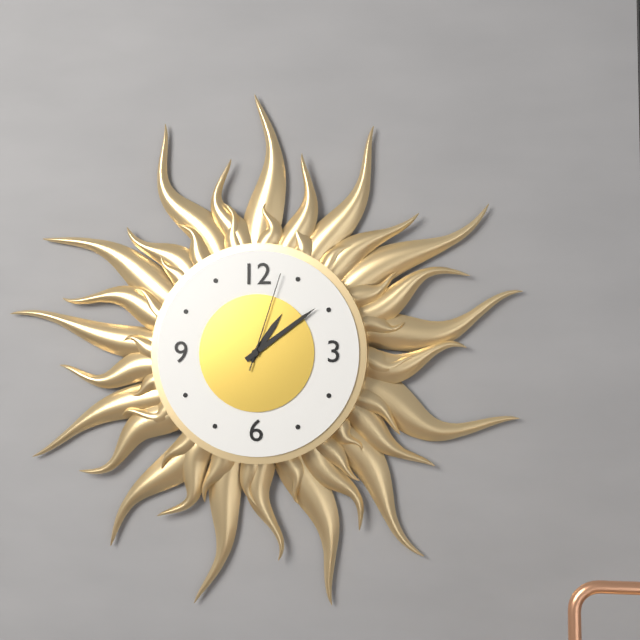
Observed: 1 h 09 min 03 s
